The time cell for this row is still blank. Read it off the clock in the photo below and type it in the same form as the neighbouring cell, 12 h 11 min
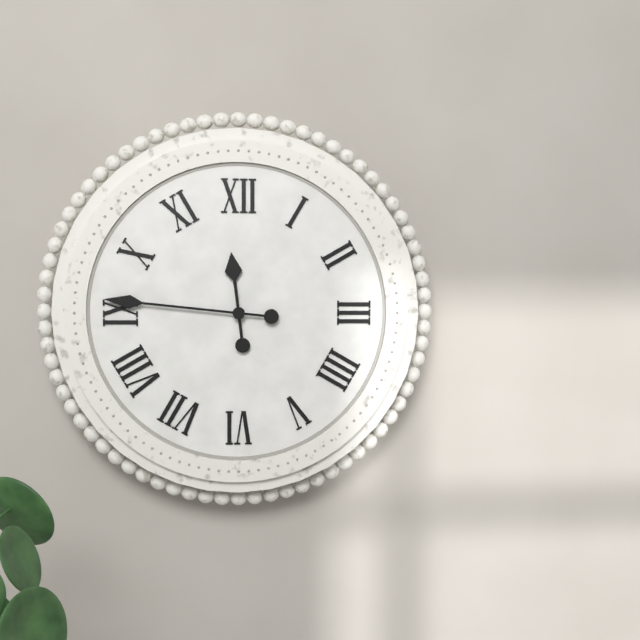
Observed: 11 h 46 min
